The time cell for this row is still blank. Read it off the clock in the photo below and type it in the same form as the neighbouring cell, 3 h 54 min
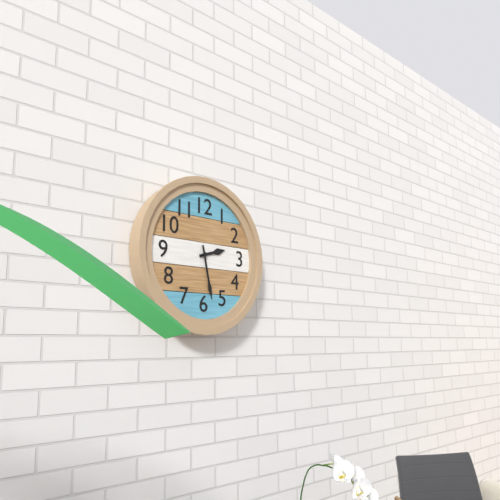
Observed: 2 h 28 min
